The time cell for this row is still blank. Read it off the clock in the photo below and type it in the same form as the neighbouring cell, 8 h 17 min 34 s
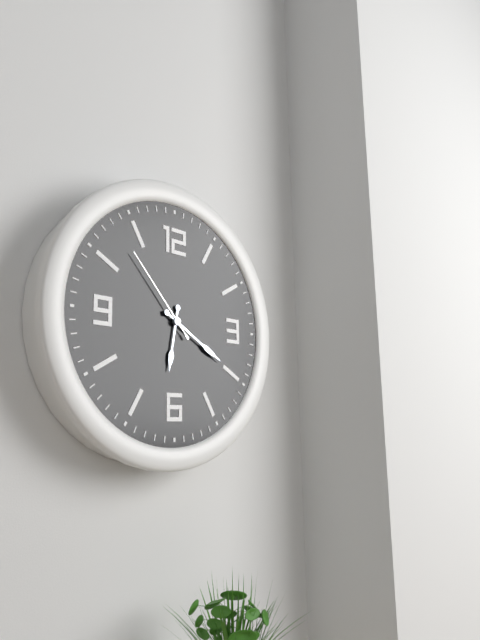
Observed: 6 h 20 min 53 s
